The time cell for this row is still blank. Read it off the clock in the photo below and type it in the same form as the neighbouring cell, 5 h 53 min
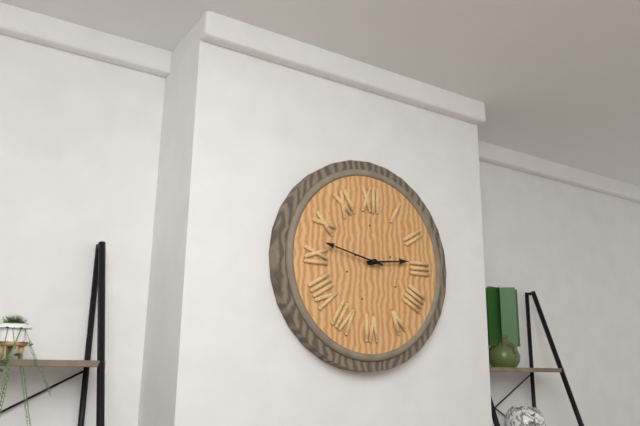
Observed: 2 h 47 min
